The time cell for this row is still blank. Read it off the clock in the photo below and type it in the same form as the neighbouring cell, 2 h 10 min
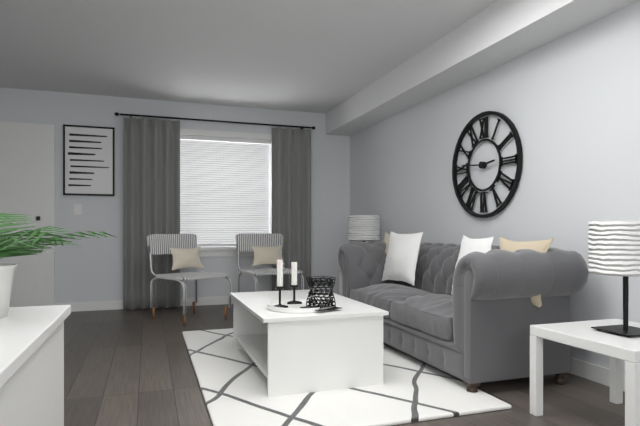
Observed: 2 h 46 min
